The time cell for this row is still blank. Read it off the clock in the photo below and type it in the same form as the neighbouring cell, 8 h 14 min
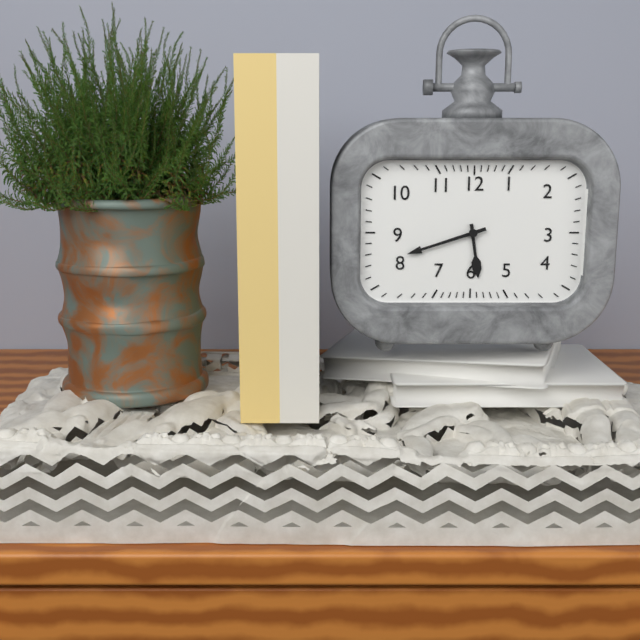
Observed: 5 h 42 min
